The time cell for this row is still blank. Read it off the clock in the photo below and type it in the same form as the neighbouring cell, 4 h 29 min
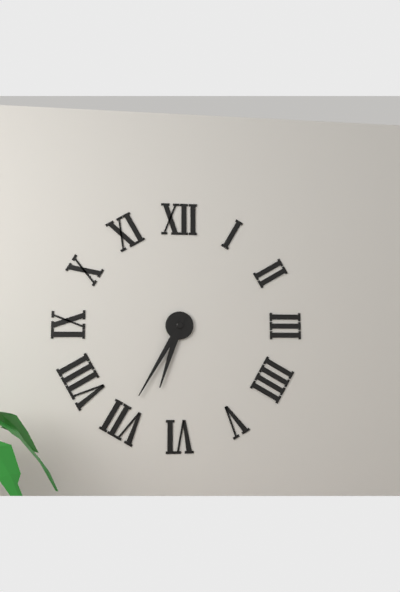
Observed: 6 h 35 min
